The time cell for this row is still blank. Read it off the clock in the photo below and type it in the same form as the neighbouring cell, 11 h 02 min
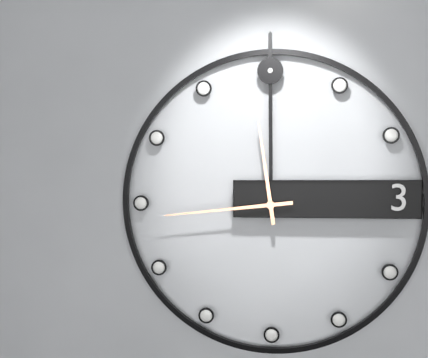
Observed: 11 h 44 min
